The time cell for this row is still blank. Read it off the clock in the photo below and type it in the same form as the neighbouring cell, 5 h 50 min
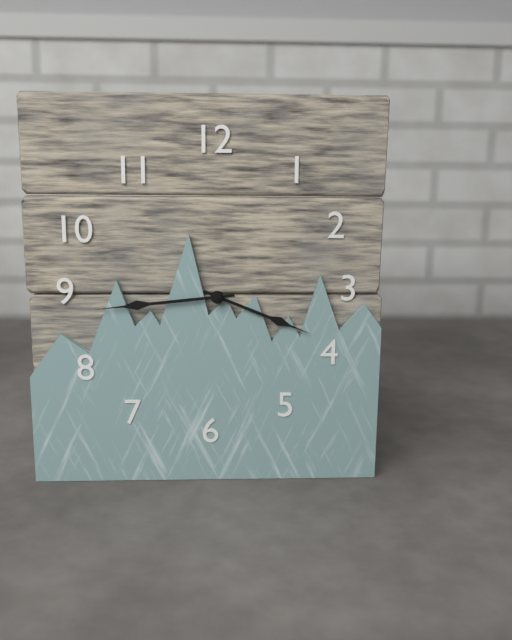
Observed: 3 h 44 min
